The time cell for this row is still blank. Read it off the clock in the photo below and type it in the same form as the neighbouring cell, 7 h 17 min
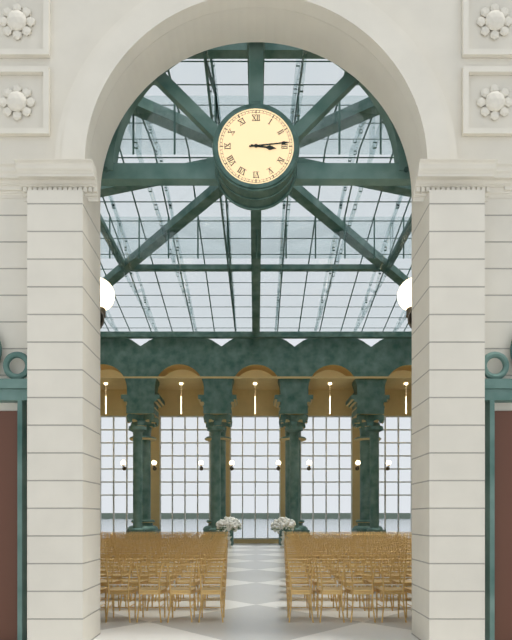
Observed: 3 h 14 min
